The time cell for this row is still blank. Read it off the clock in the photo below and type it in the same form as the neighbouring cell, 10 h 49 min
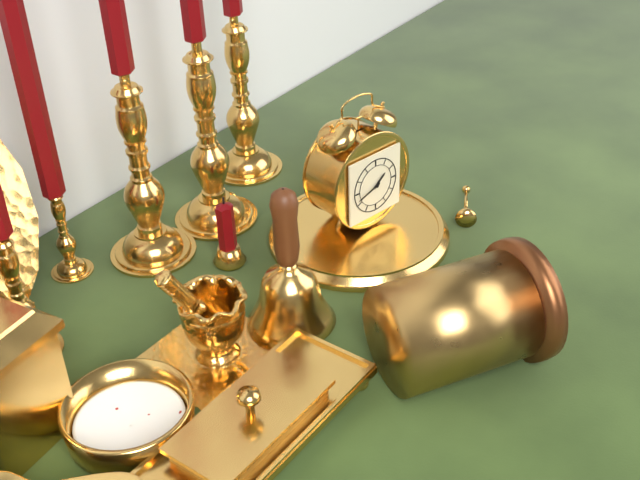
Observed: 1 h 42 min
